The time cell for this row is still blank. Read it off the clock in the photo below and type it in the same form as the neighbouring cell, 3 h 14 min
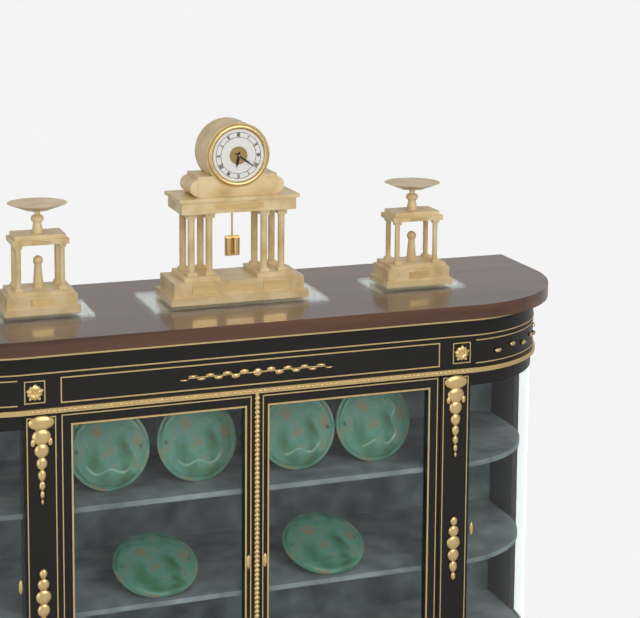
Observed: 6 h 21 min
